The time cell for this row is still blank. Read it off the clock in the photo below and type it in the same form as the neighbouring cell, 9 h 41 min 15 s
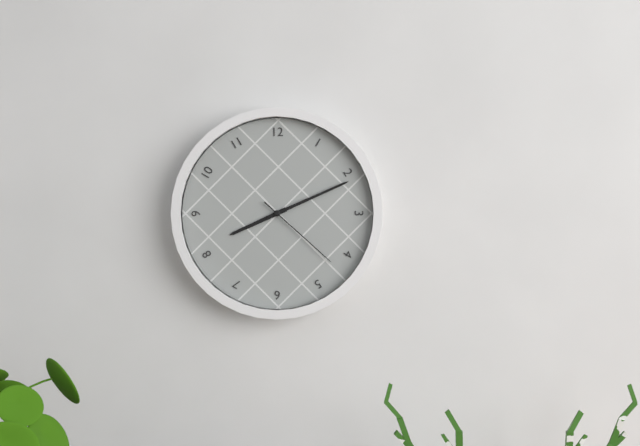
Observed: 8 h 11 min 22 s
